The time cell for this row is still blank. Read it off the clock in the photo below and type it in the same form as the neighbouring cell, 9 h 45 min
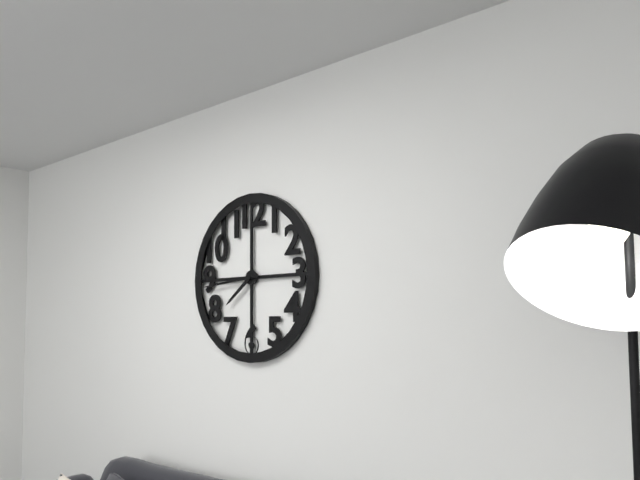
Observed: 7 h 44 min
